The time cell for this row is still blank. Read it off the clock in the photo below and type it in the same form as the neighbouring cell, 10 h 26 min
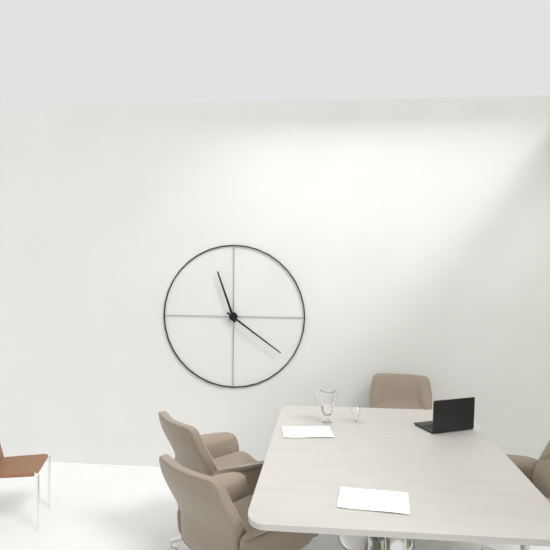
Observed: 11 h 21 min
